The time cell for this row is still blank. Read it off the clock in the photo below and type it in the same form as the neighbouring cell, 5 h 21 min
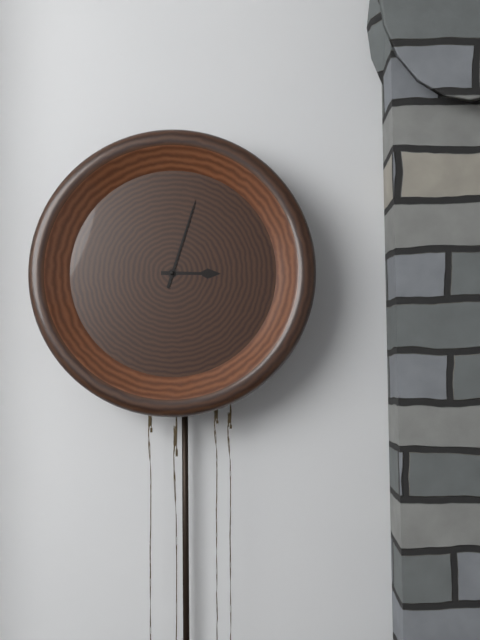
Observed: 3 h 03 min
